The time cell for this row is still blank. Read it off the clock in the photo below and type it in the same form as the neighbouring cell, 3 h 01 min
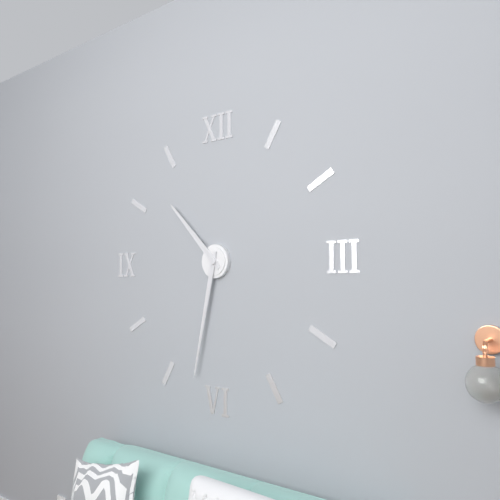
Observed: 10 h 32 min
